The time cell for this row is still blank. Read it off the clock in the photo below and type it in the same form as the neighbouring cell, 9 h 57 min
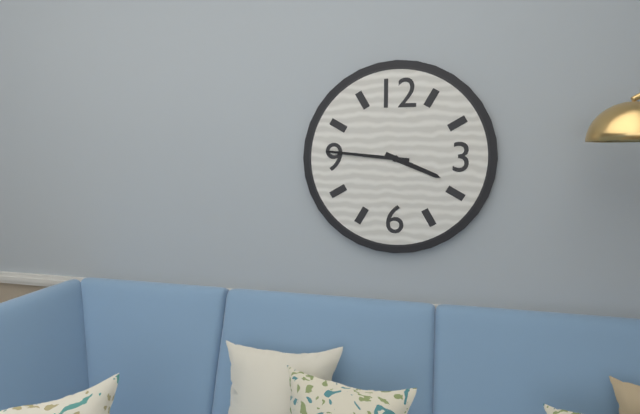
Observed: 3 h 46 min
